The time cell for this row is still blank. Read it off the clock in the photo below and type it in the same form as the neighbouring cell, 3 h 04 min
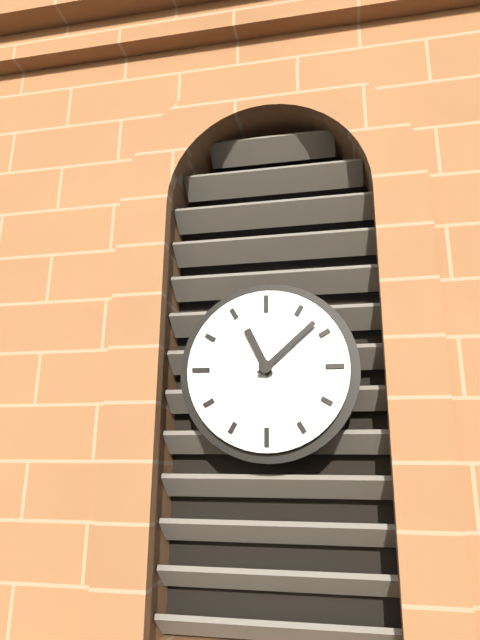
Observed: 11 h 08 min
